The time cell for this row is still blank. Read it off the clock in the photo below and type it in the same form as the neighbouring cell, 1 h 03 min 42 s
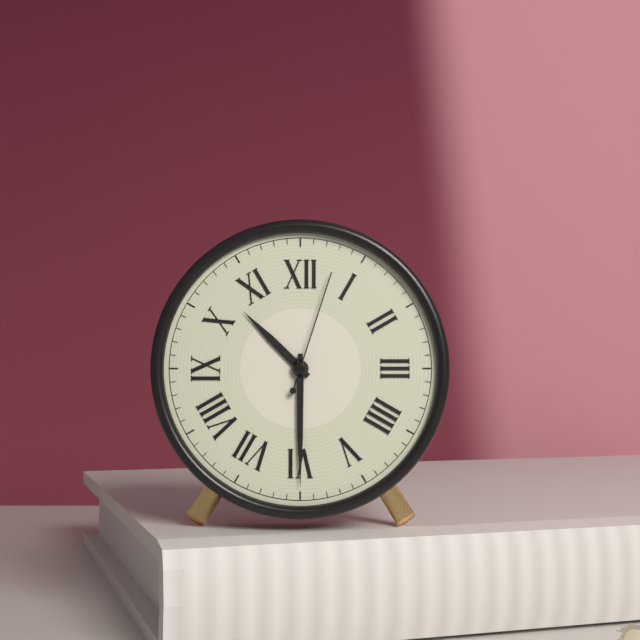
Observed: 10 h 30 min 03 s
